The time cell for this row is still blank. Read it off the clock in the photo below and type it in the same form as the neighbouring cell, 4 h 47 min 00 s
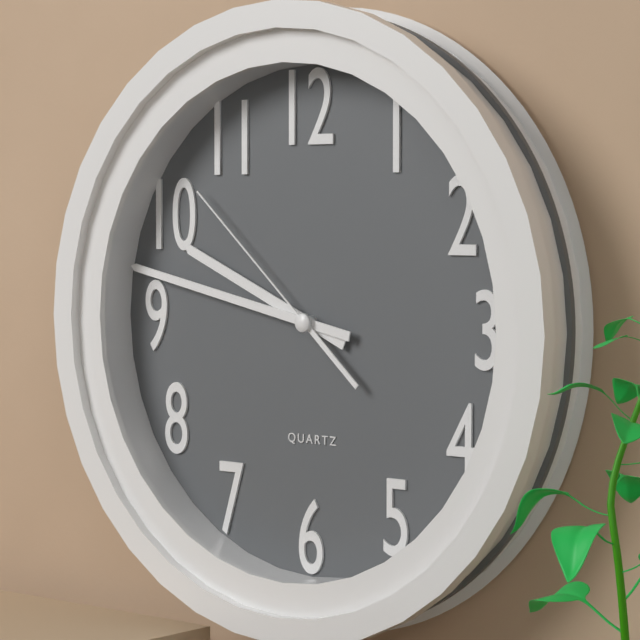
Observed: 9 h 47 min 52 s
